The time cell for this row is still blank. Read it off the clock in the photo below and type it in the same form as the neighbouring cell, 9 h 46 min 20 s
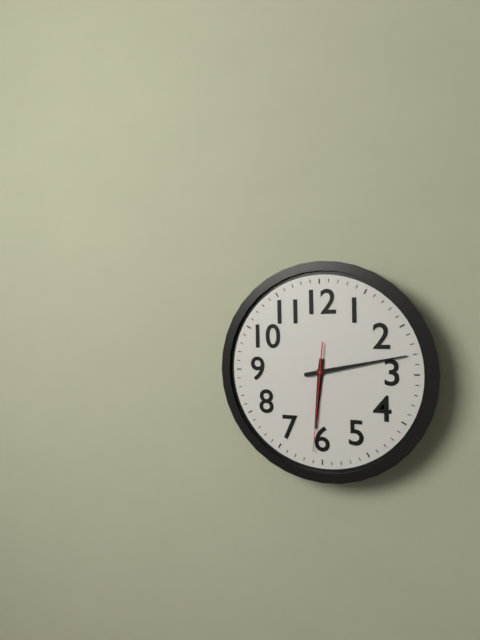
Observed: 6 h 13 min 31 s
